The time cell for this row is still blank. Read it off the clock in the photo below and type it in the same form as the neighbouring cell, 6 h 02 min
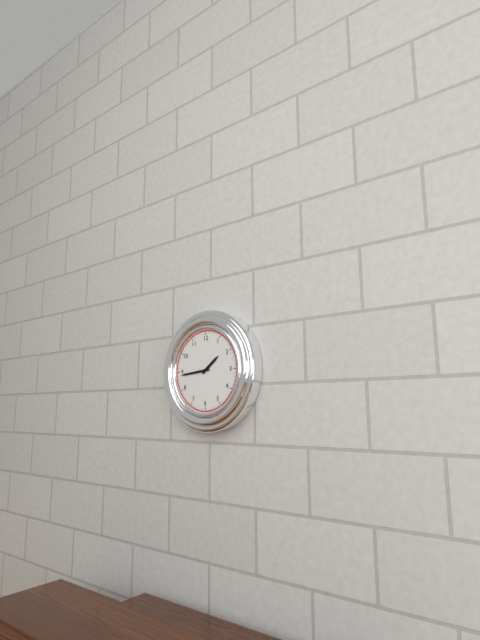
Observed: 1 h 44 min
